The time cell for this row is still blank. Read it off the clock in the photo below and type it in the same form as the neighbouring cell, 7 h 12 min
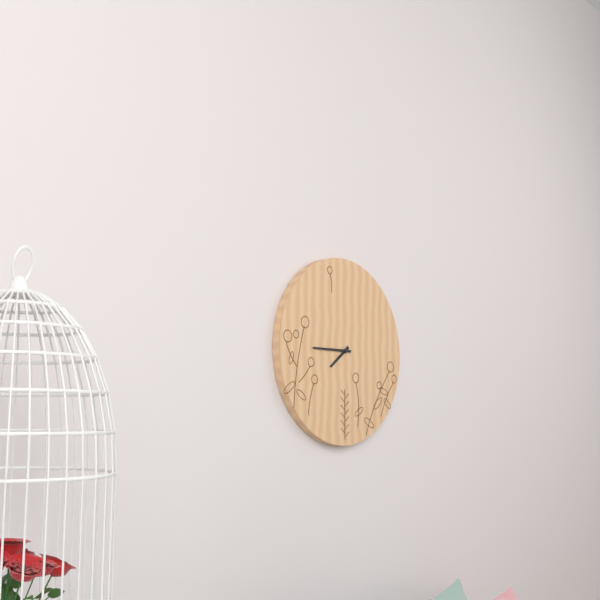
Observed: 7 h 45 min
